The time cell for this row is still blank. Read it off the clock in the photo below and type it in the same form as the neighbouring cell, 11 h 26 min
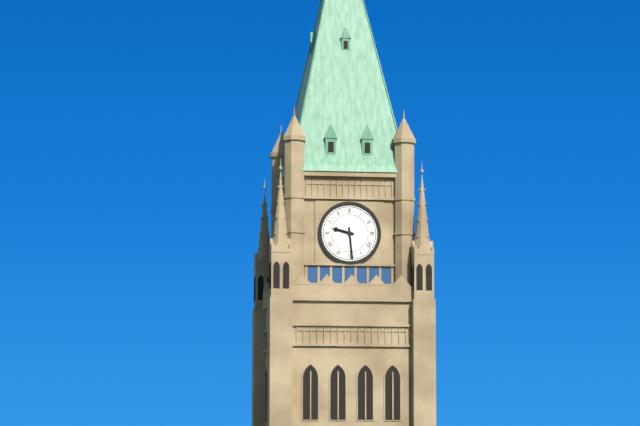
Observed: 9 h 29 min
